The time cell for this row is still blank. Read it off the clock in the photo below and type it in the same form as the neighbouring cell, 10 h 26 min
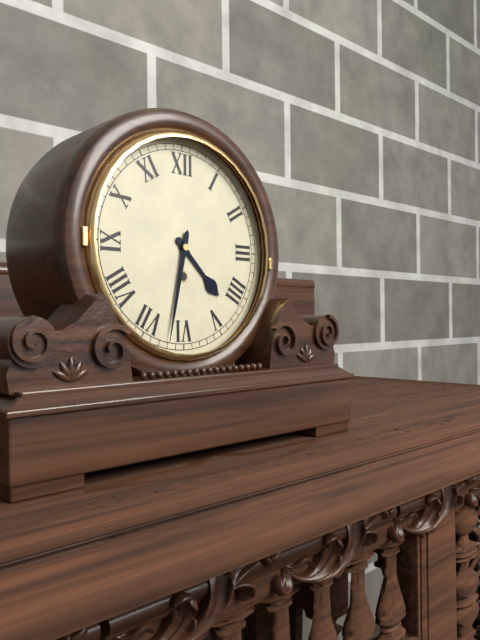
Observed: 4 h 32 min
